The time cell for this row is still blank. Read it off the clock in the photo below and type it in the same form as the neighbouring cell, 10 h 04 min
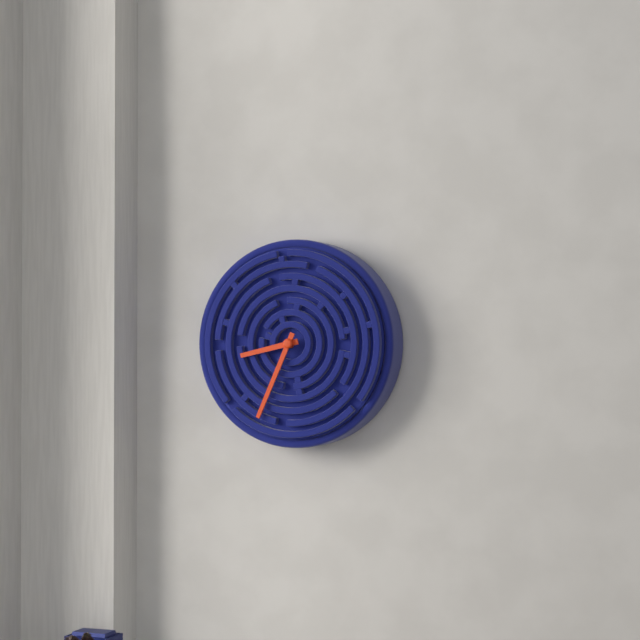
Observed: 8 h 34 min
